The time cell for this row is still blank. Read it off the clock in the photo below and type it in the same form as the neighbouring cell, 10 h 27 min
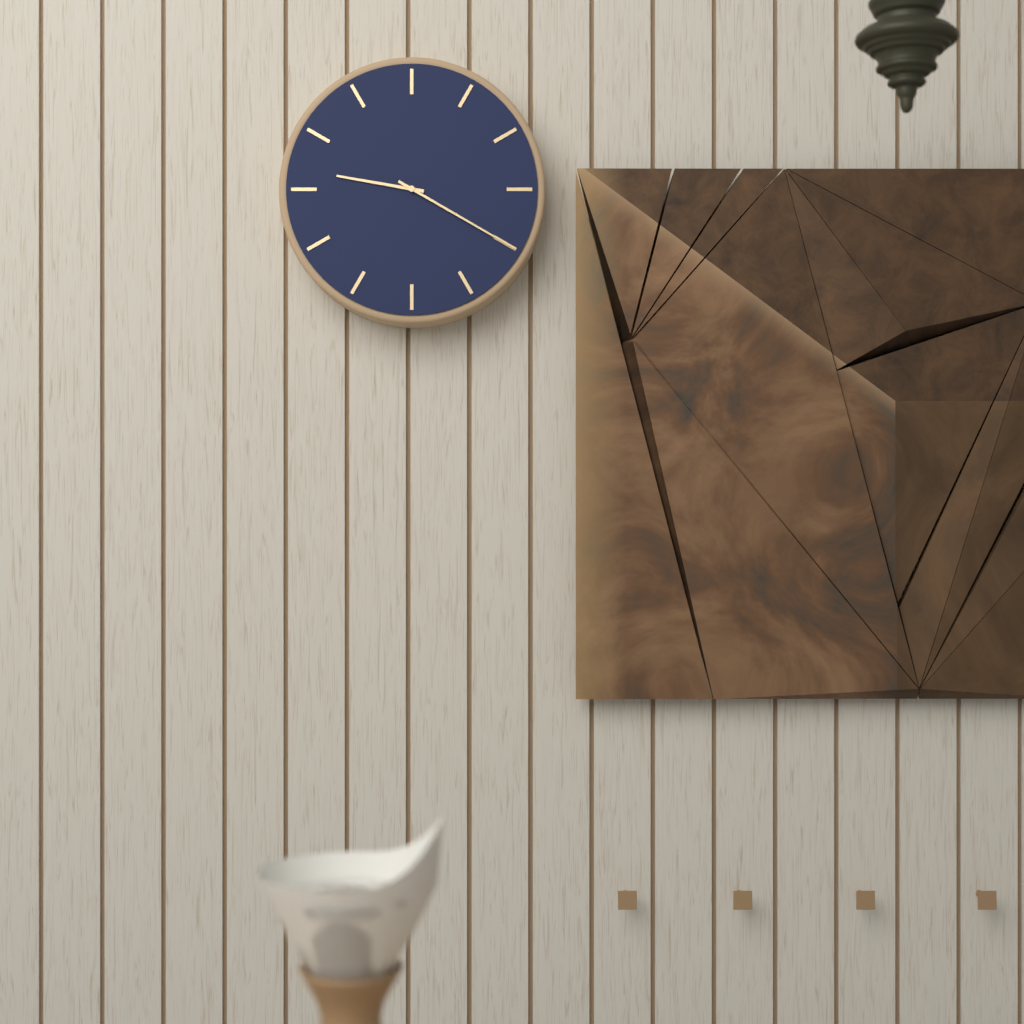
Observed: 9 h 20 min
